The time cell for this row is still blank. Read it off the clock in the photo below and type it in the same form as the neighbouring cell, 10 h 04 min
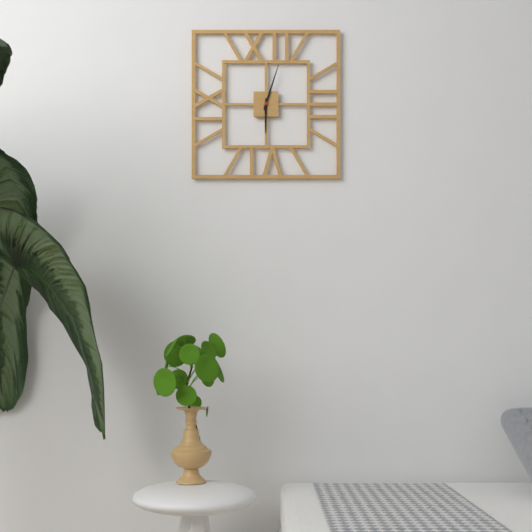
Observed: 6 h 03 min
